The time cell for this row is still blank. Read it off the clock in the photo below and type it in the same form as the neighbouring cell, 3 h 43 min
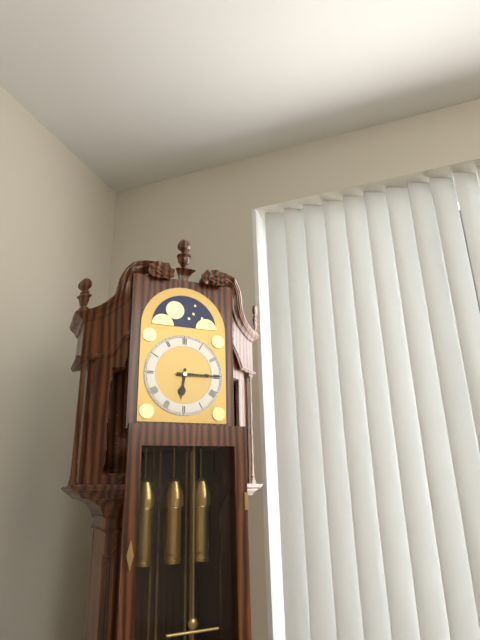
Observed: 6 h 15 min
